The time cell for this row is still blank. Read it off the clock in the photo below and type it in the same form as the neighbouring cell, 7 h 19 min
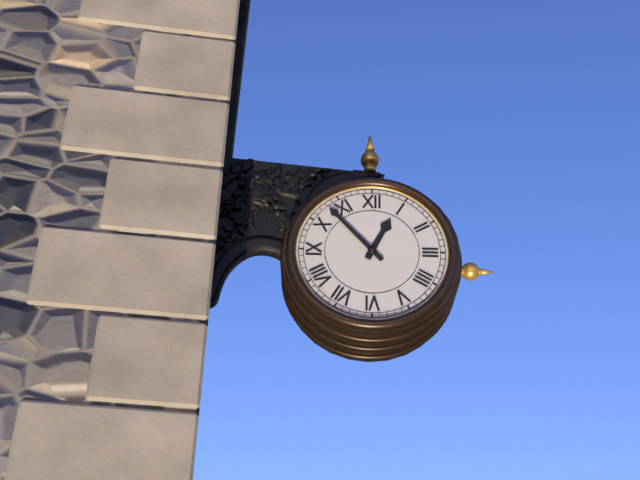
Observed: 12 h 53 min
